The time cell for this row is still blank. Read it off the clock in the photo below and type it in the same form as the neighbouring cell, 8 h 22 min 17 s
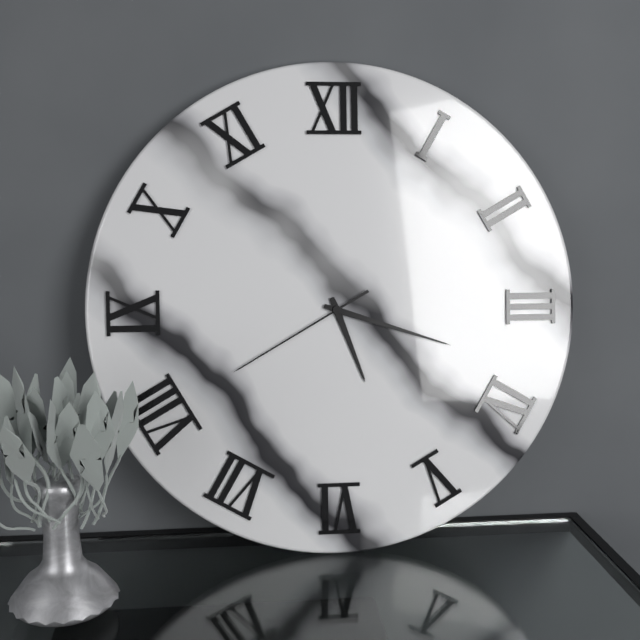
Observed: 5 h 18 min 40 s
